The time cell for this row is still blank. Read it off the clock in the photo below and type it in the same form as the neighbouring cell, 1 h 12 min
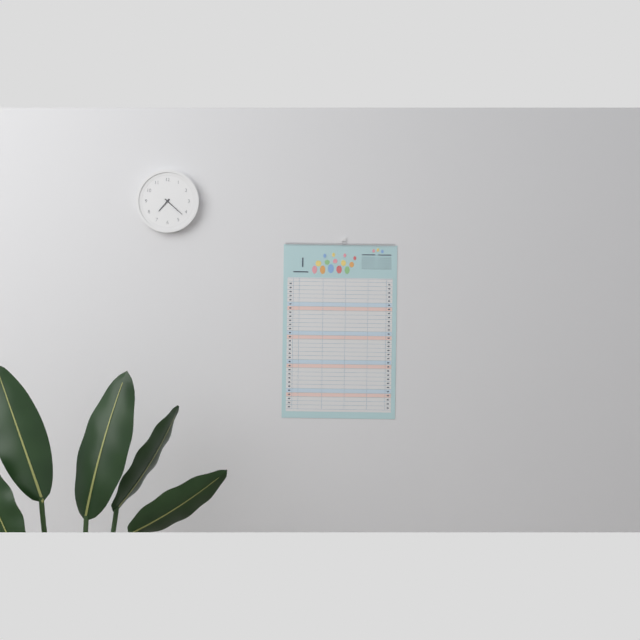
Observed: 7 h 22 min
